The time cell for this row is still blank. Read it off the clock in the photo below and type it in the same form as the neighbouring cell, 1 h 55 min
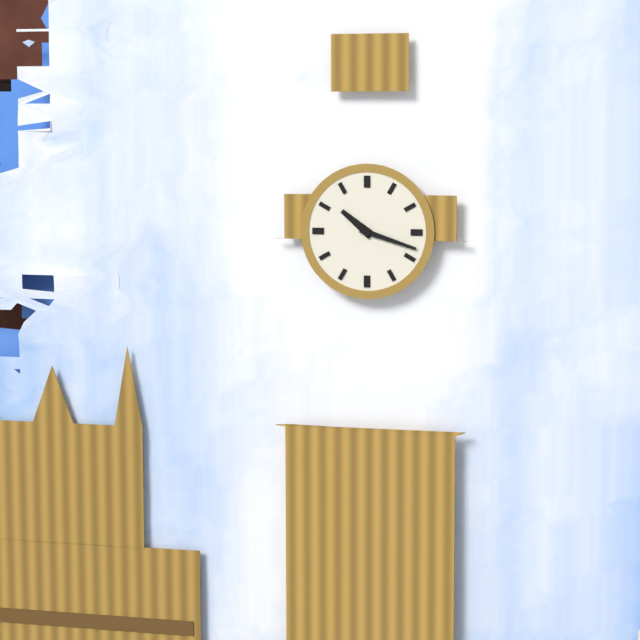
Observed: 10 h 18 min
